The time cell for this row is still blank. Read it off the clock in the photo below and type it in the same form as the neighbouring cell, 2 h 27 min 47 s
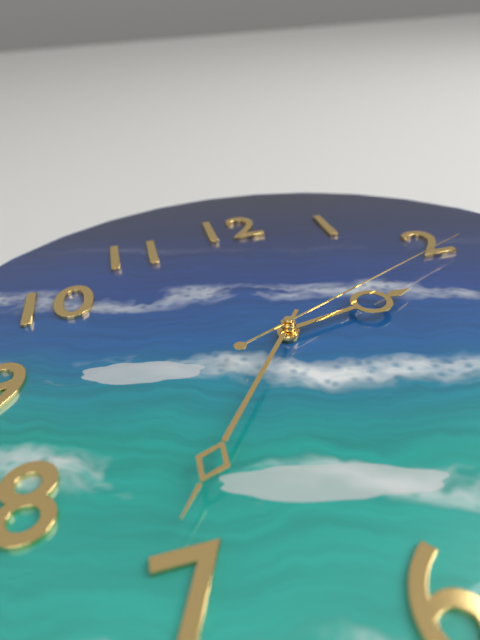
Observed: 2 h 36 min 11 s
